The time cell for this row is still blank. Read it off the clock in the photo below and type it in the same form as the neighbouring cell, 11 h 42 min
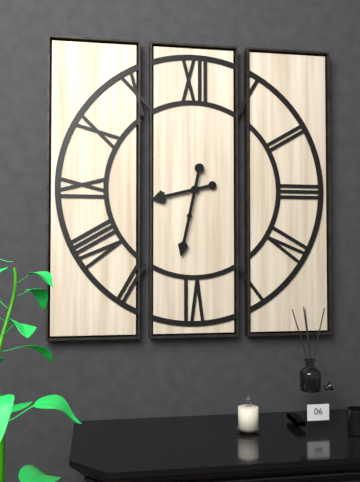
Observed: 8 h 32 min
